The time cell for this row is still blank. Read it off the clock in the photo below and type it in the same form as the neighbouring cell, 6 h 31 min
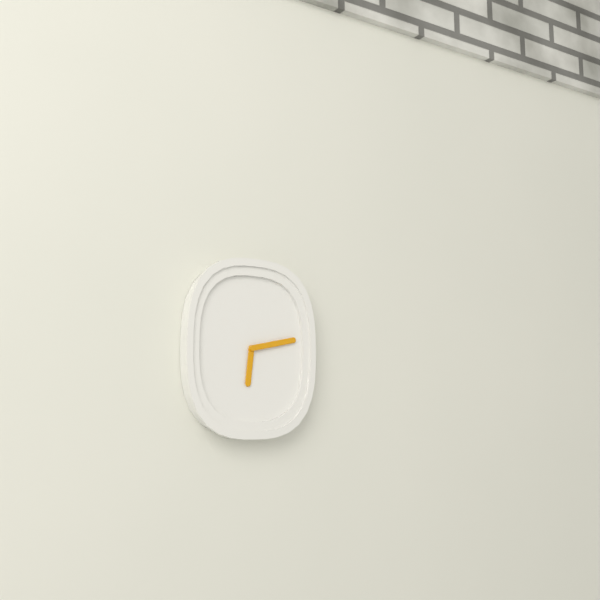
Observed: 6 h 13 min
